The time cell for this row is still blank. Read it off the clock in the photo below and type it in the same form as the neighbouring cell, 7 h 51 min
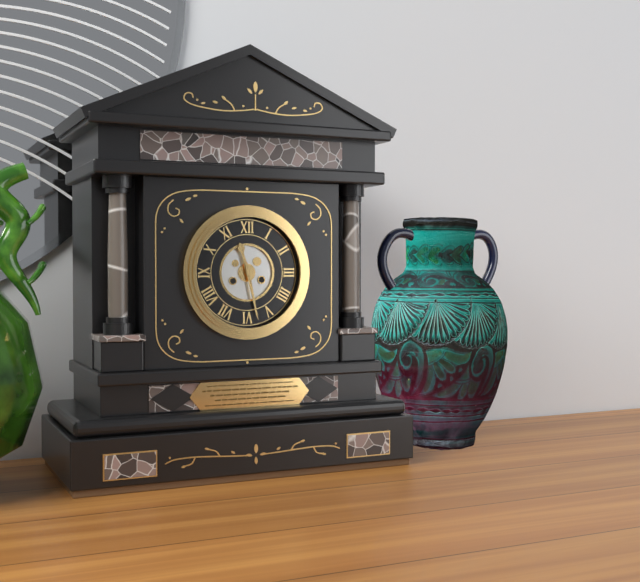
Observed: 11 h 28 min
